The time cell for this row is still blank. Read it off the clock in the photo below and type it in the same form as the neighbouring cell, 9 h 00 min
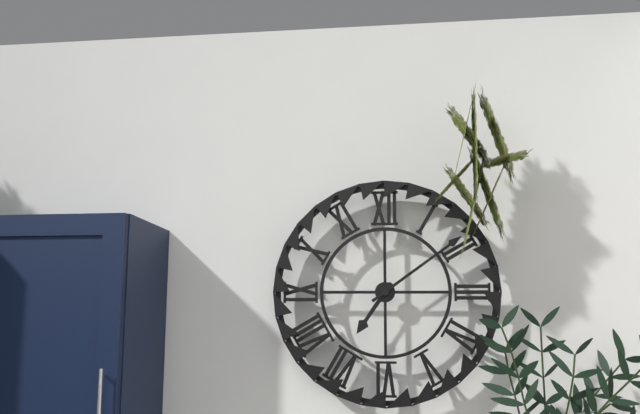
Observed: 7 h 09 min
